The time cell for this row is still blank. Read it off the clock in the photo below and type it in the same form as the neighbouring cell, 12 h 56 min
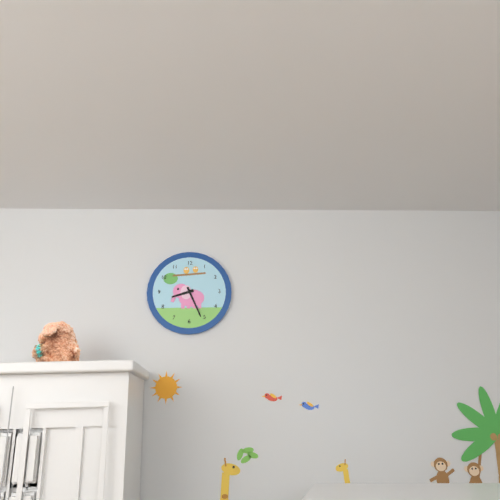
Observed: 8 h 26 min
